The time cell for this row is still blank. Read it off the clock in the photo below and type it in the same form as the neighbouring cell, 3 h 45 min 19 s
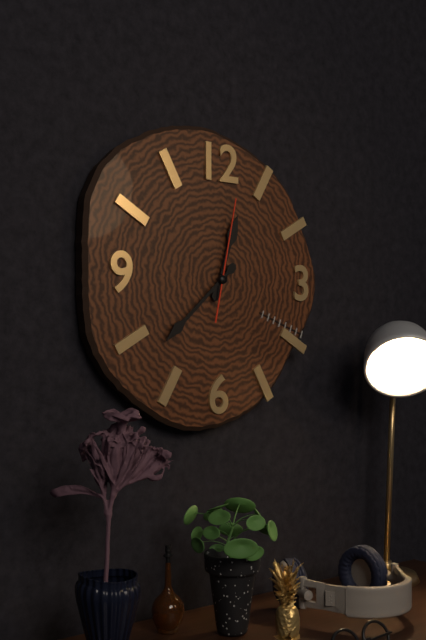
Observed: 12 h 38 min 02 s
